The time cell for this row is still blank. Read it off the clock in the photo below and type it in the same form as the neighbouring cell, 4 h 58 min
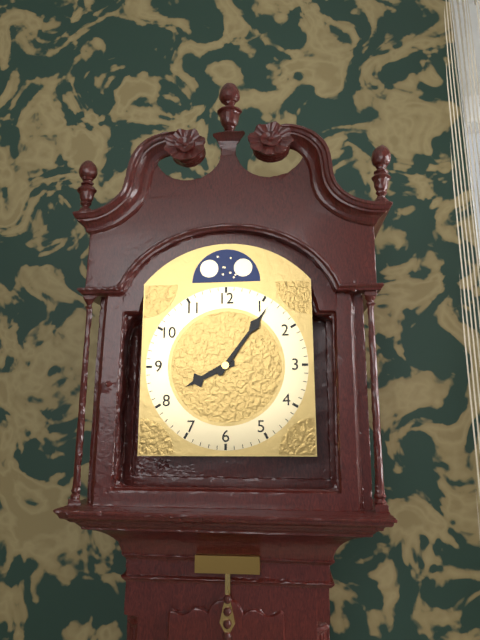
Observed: 8 h 06 min
